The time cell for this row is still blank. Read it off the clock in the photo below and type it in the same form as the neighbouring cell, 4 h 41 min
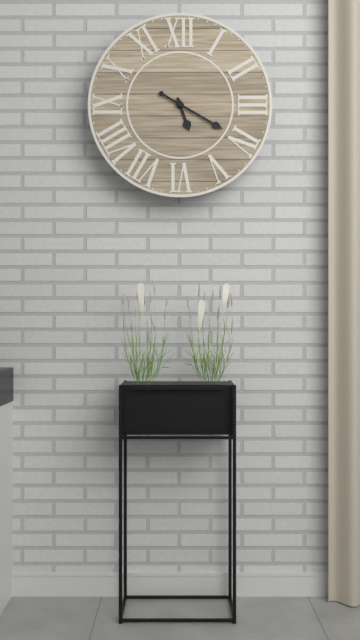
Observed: 5 h 20 min
